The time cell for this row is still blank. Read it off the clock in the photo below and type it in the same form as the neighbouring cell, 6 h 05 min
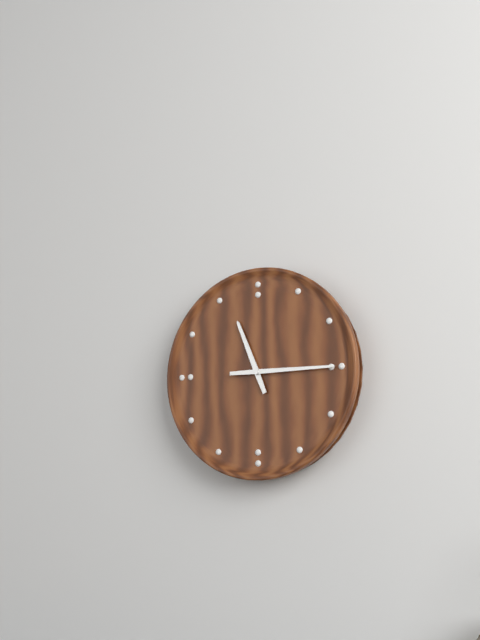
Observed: 11 h 15 min
